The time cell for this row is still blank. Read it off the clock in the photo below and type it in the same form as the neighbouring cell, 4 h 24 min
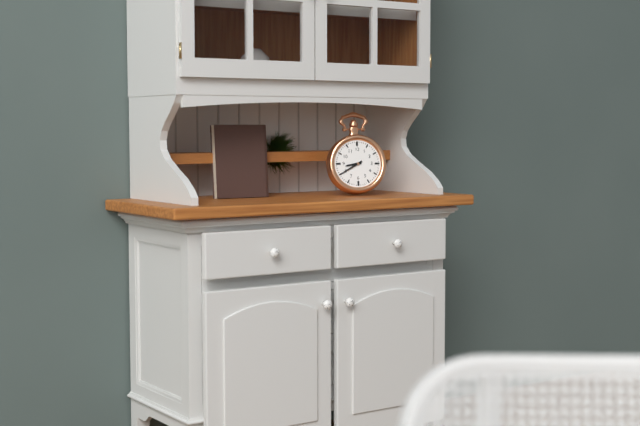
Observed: 8 h 40 min
